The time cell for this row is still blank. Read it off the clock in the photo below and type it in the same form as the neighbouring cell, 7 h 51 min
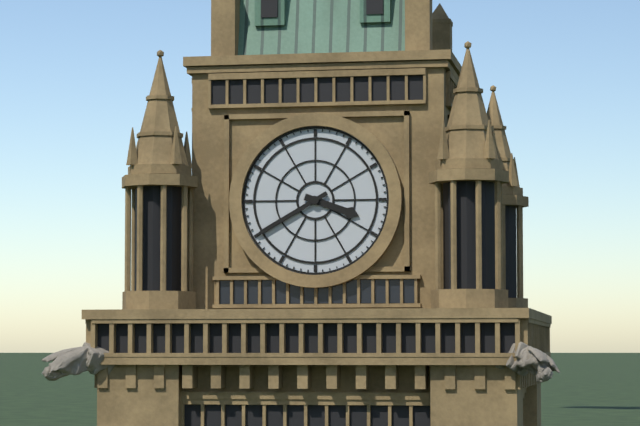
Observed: 3 h 40 min
